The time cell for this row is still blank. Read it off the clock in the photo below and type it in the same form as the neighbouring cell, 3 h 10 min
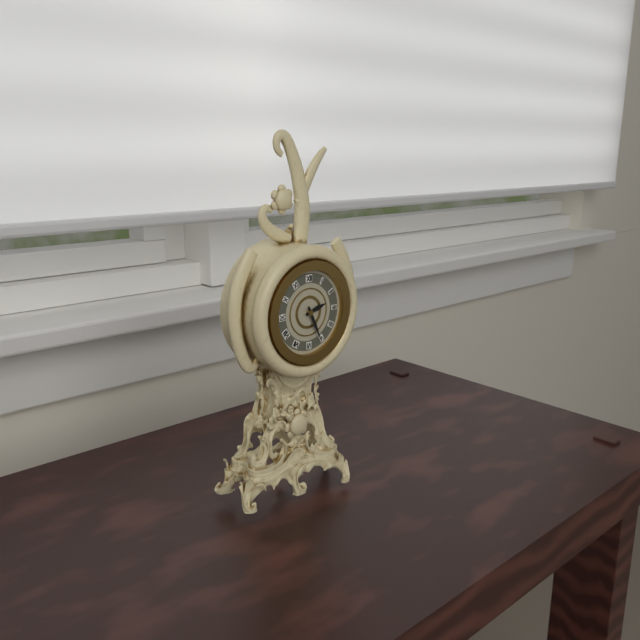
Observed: 2 h 26 min
